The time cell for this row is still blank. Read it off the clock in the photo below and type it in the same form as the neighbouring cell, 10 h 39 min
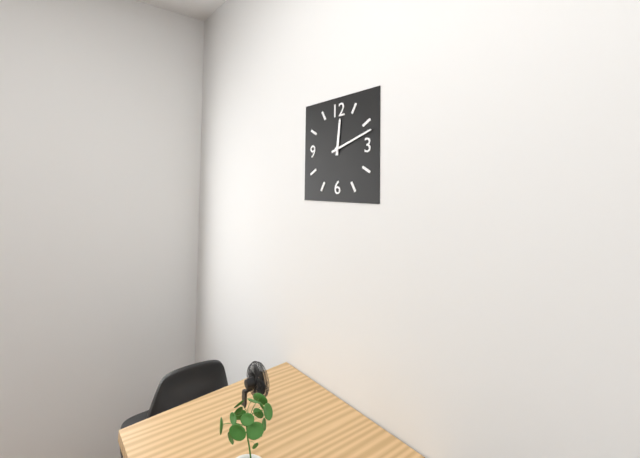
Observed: 12 h 12 min
